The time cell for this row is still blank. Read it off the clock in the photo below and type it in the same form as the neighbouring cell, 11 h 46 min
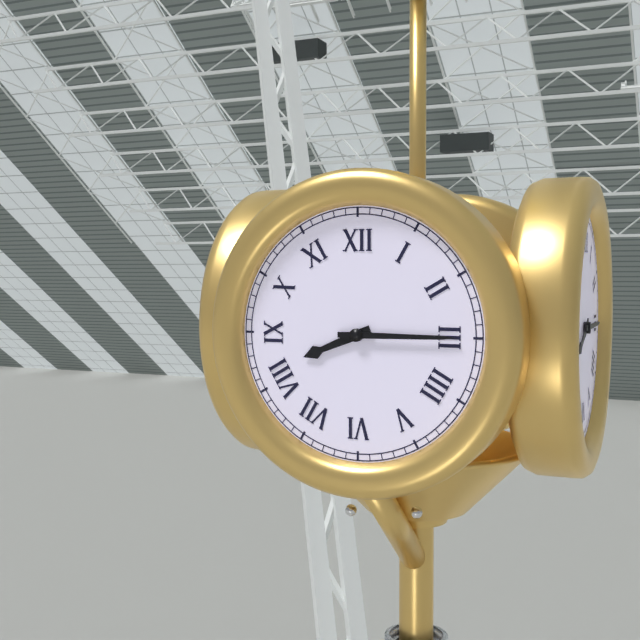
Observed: 8 h 15 min
